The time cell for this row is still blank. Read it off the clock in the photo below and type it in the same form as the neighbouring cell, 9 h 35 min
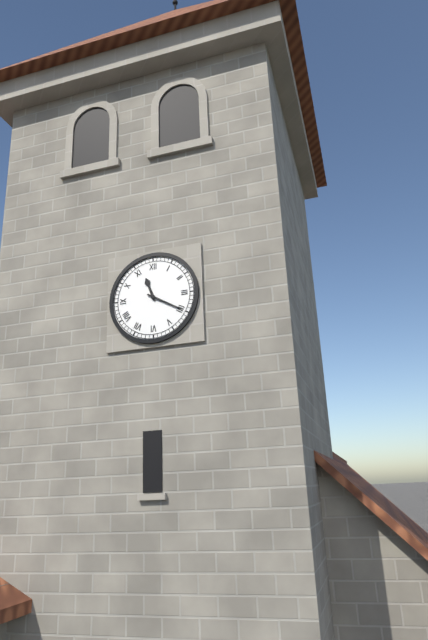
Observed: 11 h 20 min
